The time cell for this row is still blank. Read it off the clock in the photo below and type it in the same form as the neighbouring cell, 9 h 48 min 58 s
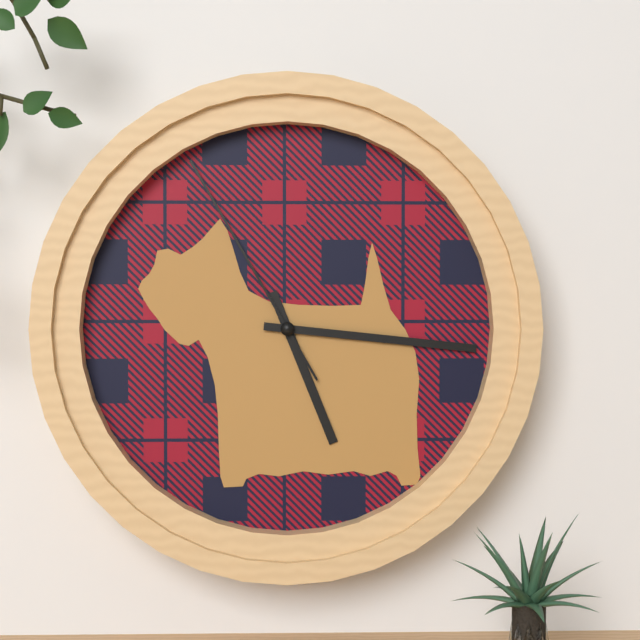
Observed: 5 h 16 min 55 s
